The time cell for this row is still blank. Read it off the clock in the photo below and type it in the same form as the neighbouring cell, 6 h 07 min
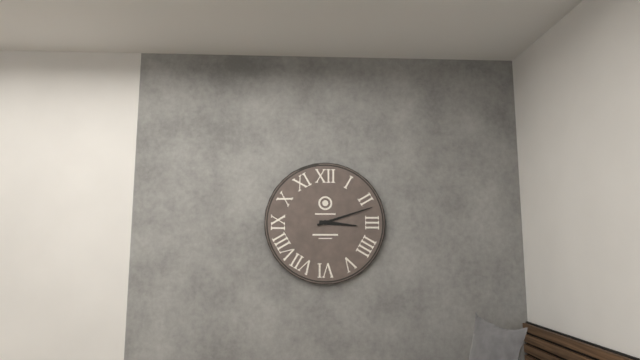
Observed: 3 h 12 min
